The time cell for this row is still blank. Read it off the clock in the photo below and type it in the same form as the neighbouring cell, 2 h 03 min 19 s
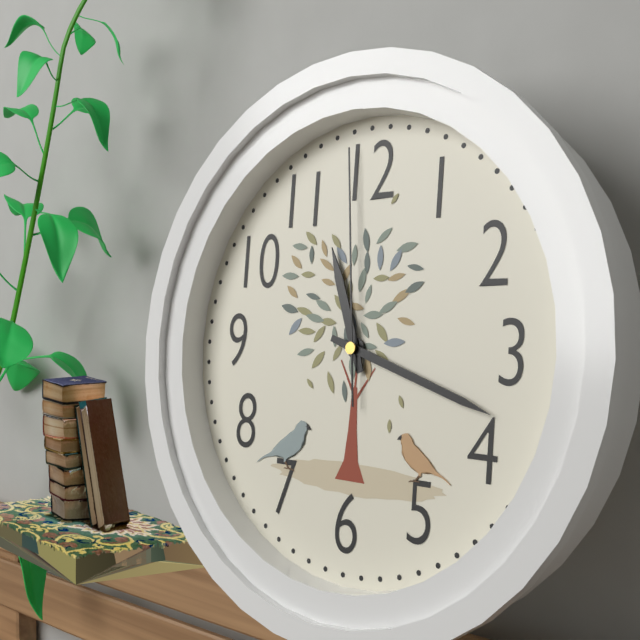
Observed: 11 h 18 min 59 s
